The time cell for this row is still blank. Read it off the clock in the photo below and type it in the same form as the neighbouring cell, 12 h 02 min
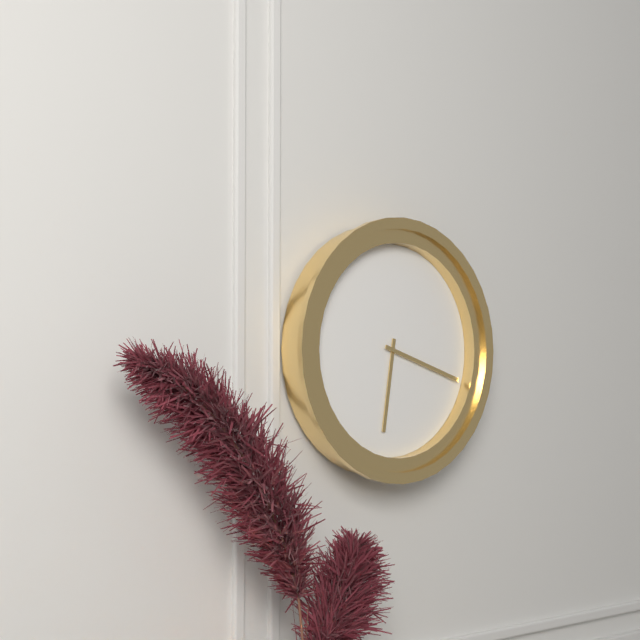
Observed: 6 h 18 min
